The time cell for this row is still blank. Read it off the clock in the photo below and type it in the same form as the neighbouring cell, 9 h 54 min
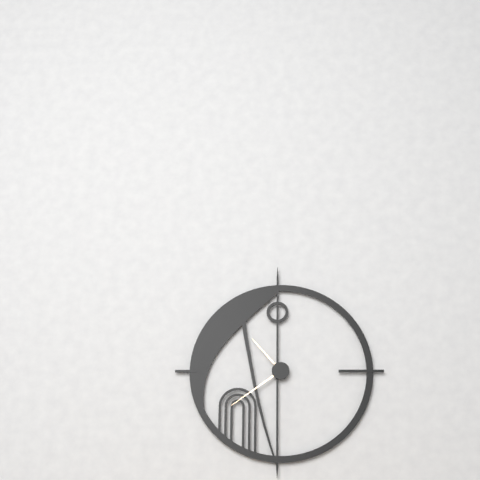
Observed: 10 h 39 min
